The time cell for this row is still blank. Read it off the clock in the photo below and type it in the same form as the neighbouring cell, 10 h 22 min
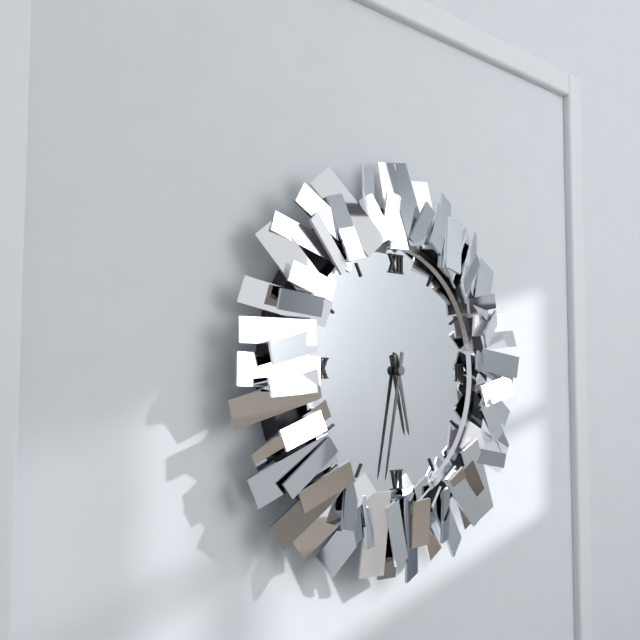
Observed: 5 h 32 min
